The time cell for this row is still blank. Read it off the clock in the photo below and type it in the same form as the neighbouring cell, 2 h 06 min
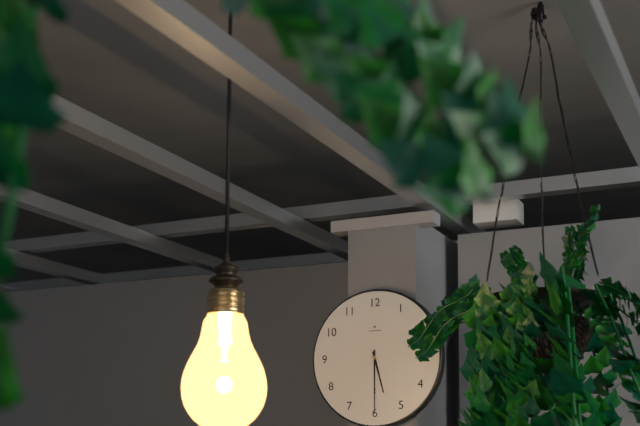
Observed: 5 h 30 min
